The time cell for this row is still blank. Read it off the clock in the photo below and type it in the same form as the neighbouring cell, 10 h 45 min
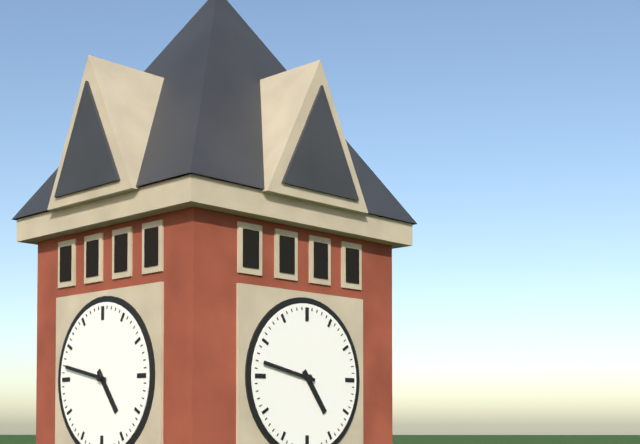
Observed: 4 h 47 min
